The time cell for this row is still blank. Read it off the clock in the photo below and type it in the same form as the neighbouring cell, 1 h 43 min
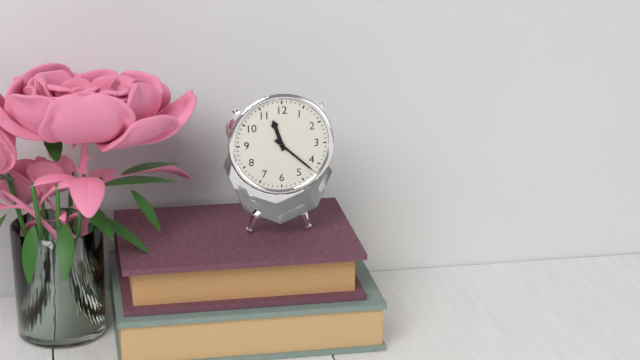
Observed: 11 h 22 min
